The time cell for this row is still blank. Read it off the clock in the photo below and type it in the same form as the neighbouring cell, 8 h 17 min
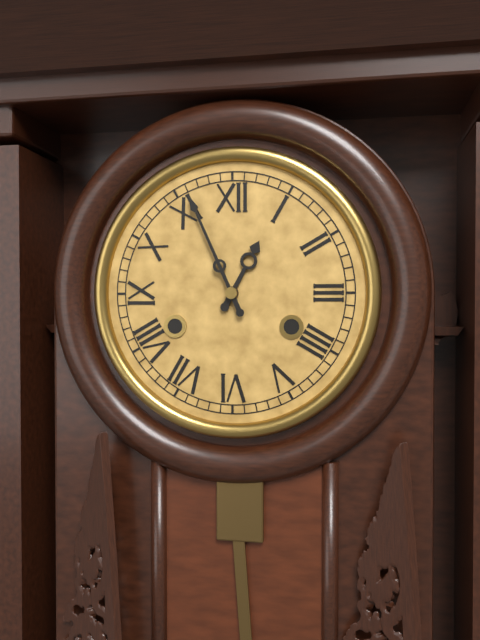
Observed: 12 h 56 min
